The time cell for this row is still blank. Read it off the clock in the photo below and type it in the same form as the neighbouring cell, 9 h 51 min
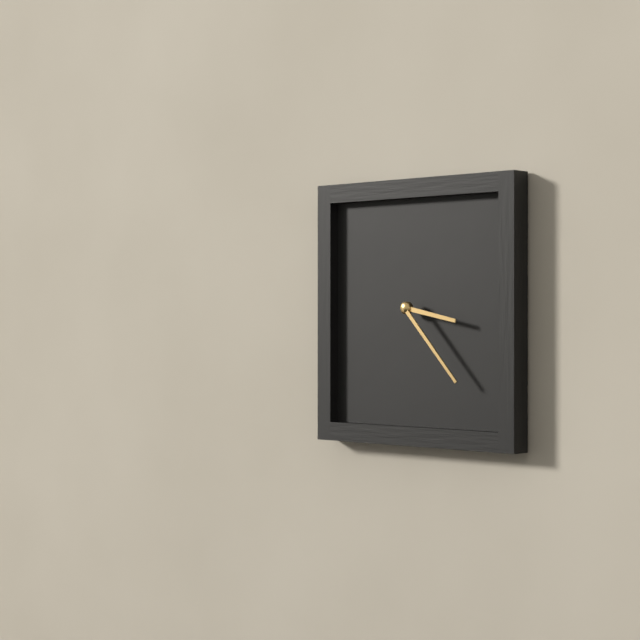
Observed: 3 h 23 min
